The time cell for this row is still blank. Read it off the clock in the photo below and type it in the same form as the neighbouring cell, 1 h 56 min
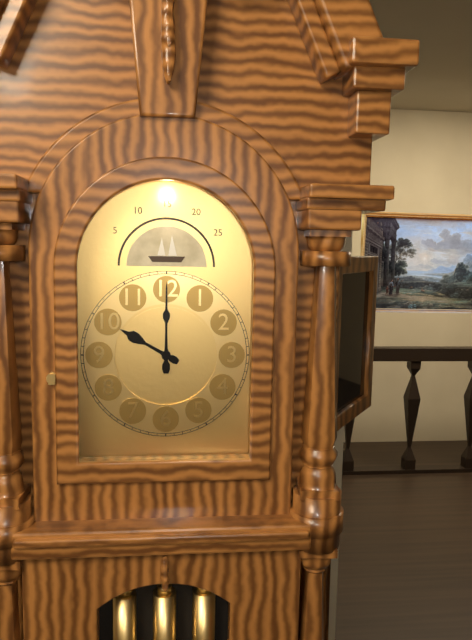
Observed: 10 h 00 min
